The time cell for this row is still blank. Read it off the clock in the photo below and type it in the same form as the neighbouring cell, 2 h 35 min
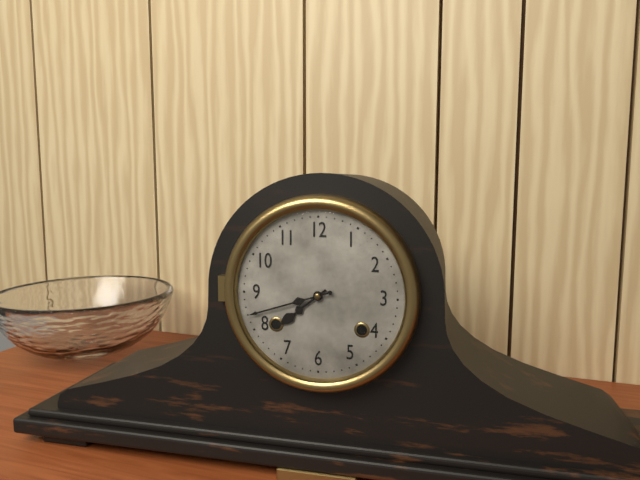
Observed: 7 h 42 min
